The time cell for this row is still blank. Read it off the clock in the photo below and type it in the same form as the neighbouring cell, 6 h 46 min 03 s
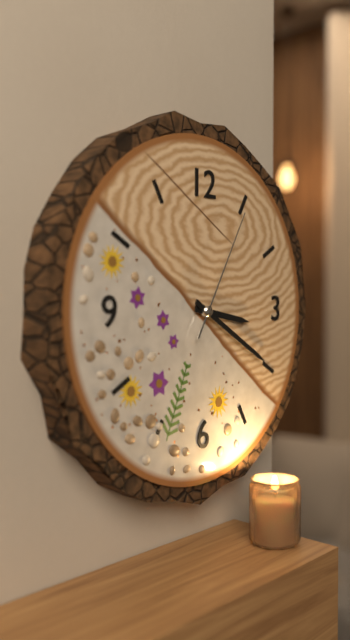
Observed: 3 h 20 min 05 s
